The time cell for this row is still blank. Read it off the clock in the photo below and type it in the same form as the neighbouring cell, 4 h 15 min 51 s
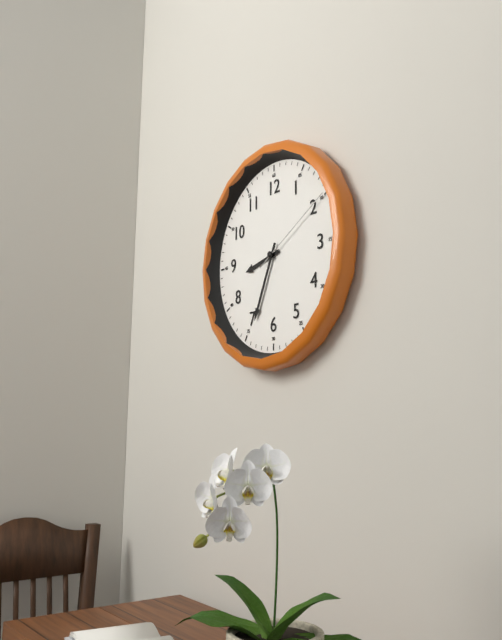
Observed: 8 h 34 min 10 s
